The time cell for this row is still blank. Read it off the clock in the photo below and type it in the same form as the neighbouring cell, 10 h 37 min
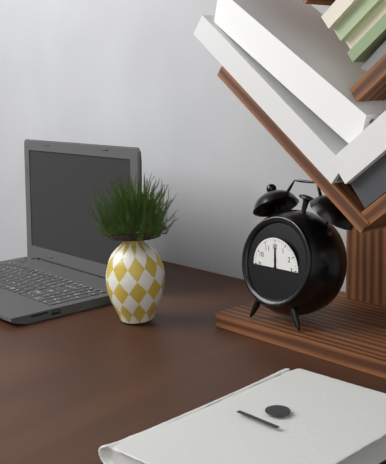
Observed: 12 h 00 min
